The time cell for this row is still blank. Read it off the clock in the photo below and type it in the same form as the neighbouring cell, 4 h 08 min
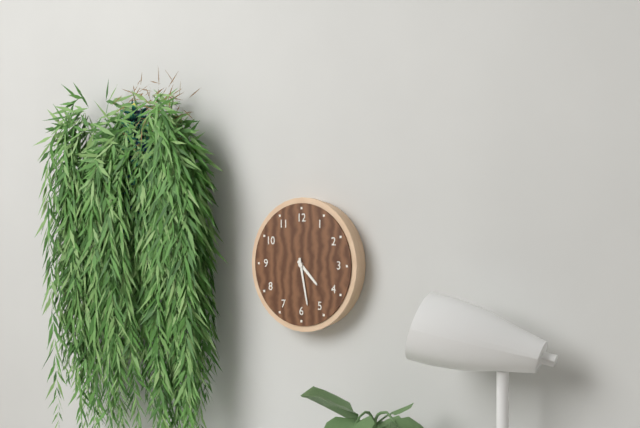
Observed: 4 h 28 min
